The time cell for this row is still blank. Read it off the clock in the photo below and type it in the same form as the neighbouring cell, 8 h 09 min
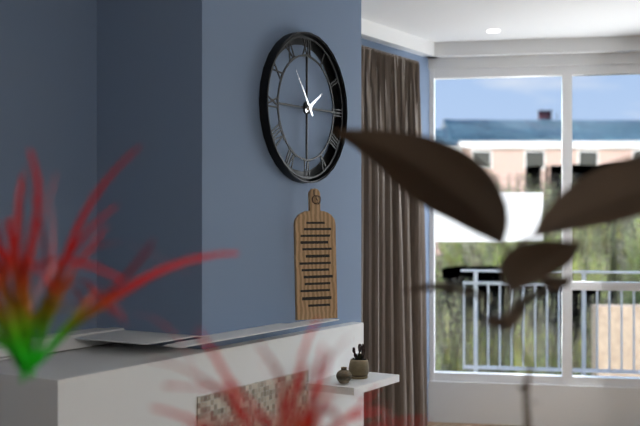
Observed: 1 h 54 min
